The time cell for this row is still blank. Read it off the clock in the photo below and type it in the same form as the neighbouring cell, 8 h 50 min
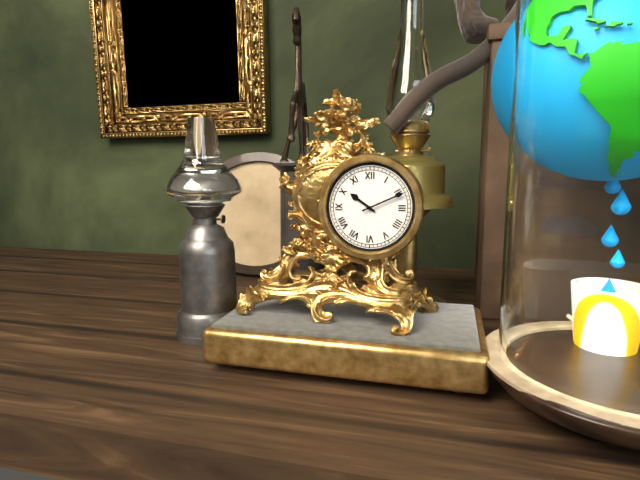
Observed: 10 h 11 min
